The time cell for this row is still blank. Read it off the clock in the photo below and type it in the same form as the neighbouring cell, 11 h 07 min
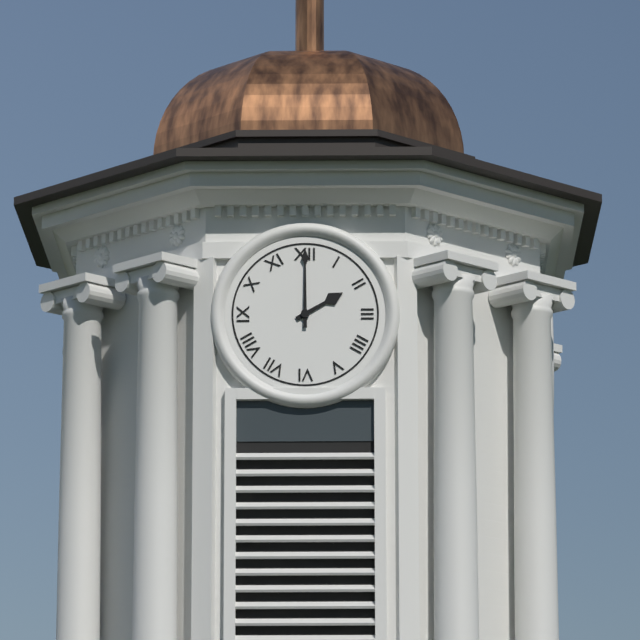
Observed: 2 h 00 min
